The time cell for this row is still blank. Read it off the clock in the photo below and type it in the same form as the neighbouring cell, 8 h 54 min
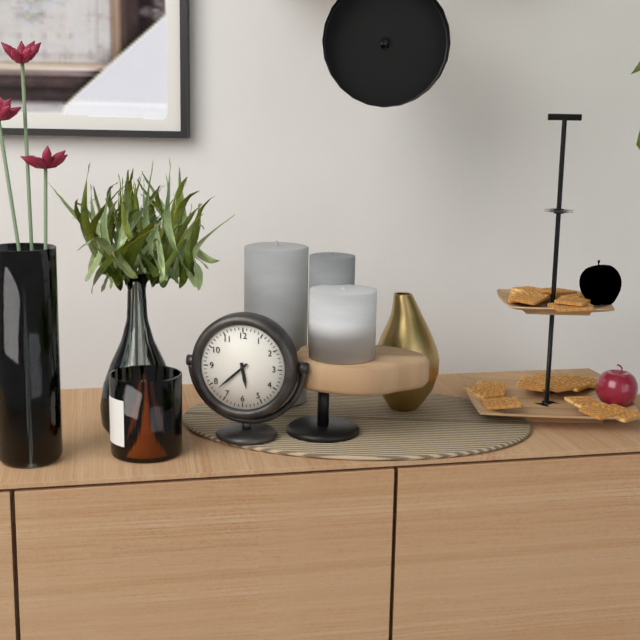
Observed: 5 h 38 min
